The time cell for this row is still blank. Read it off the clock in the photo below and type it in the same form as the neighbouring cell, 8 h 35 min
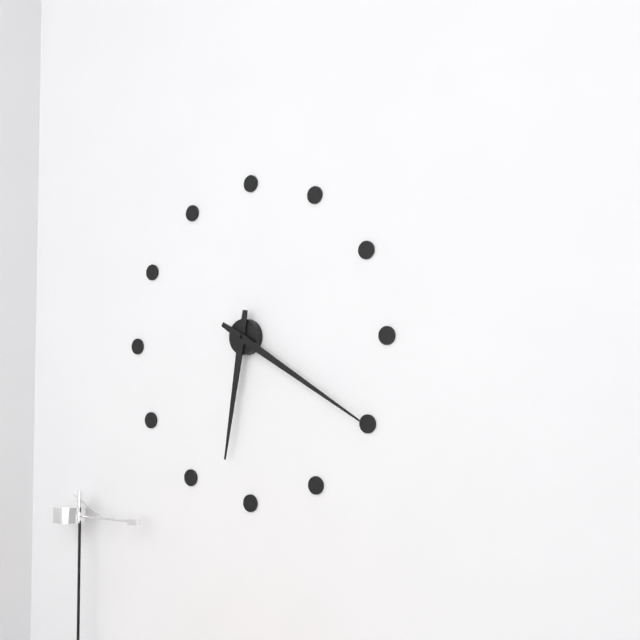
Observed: 6 h 20 min
